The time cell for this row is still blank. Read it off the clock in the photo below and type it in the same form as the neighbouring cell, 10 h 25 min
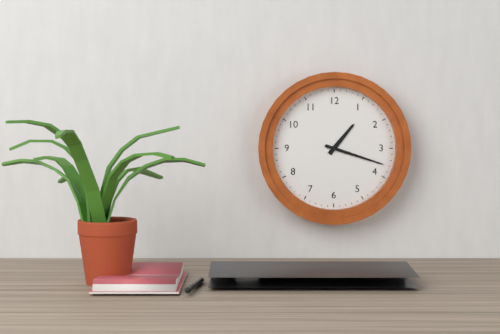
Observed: 1 h 18 min
